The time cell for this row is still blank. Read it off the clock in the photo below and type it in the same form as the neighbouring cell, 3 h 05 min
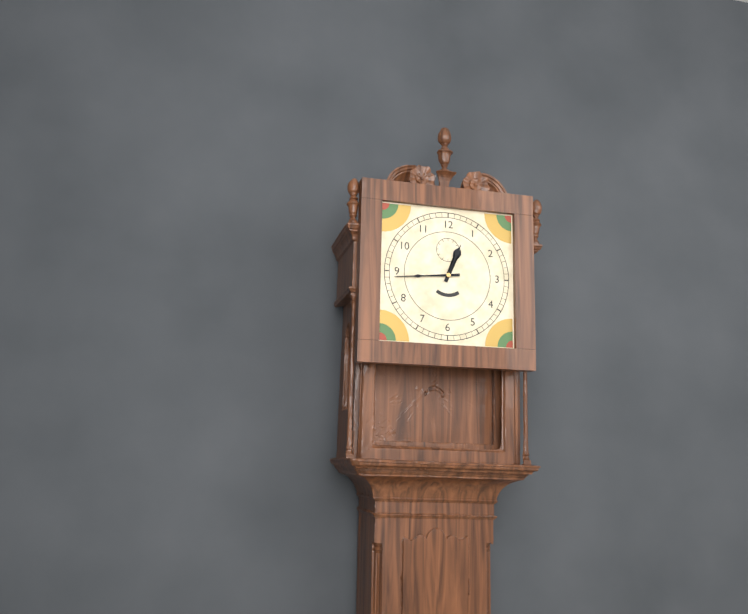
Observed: 12 h 44 min
